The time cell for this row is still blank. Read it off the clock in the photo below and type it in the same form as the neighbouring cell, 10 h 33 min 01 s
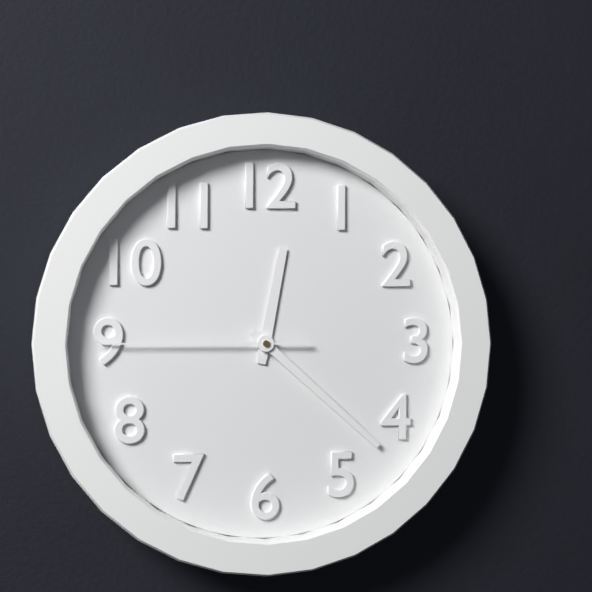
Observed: 12 h 22 min 45 s
